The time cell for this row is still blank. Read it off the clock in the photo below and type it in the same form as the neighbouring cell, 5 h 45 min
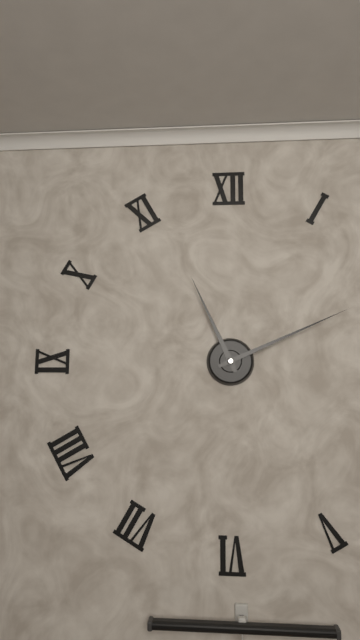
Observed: 11 h 11 min
